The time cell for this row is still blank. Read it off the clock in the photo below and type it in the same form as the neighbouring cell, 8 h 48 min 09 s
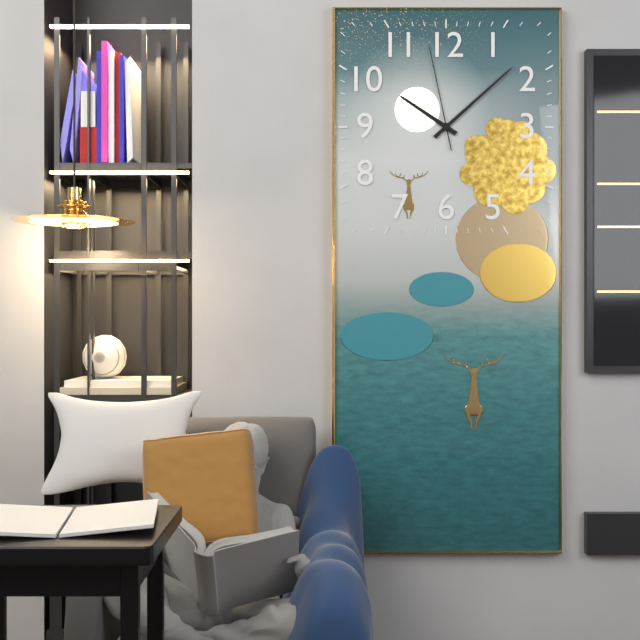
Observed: 10 h 08 min 58 s
